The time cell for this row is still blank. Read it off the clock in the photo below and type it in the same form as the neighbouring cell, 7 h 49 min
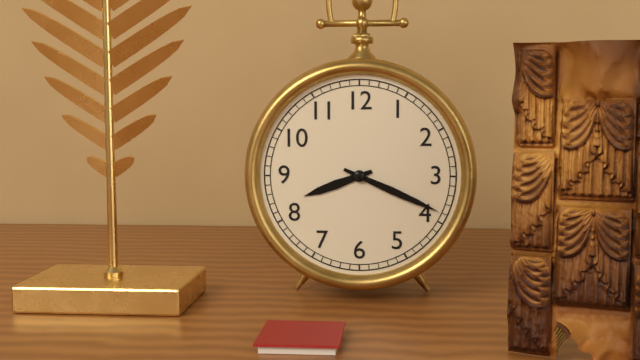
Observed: 8 h 19 min
